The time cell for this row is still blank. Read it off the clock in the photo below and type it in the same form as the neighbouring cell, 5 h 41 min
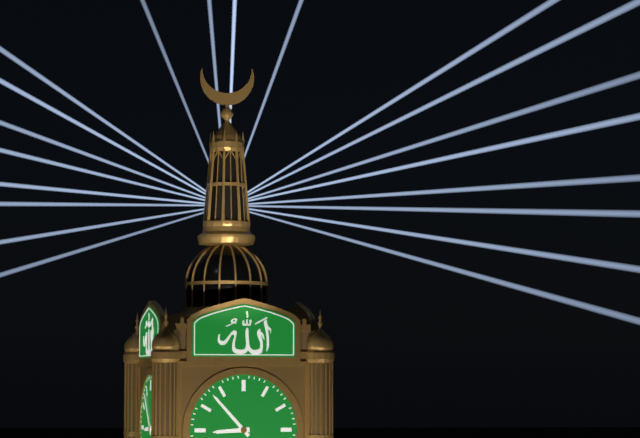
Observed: 8 h 53 min
